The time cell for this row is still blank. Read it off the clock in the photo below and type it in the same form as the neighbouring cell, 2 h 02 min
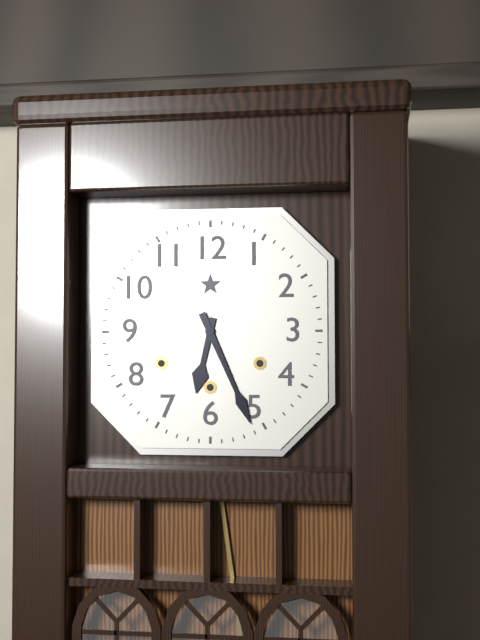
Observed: 6 h 26 min
